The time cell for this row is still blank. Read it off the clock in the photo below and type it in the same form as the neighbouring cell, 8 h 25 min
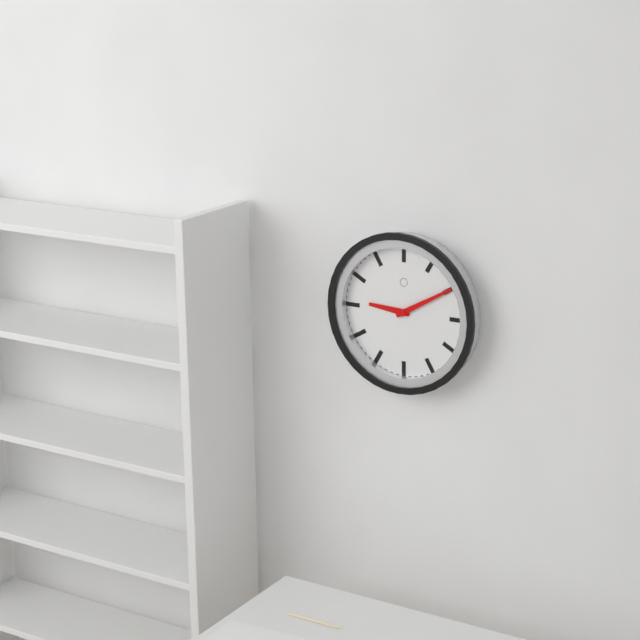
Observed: 9 h 10 min
